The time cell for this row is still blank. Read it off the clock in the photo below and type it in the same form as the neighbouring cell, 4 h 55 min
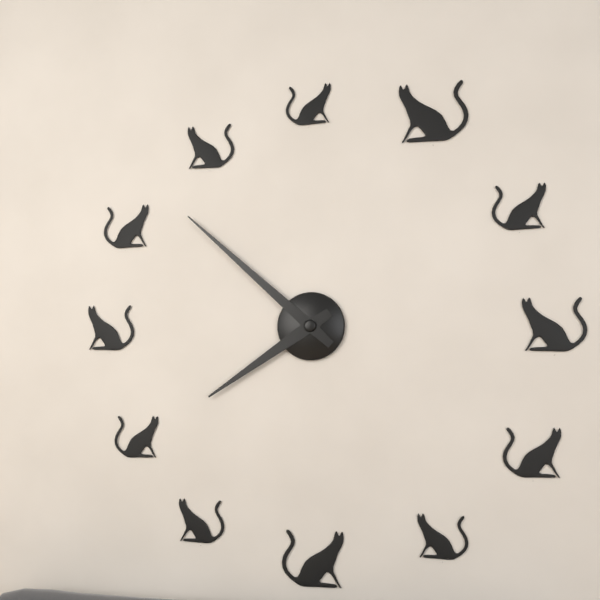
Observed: 7 h 52 min
